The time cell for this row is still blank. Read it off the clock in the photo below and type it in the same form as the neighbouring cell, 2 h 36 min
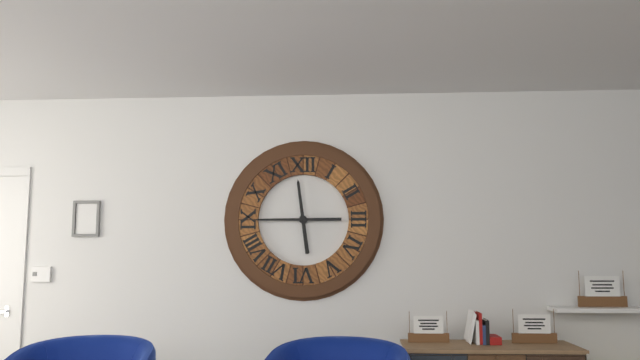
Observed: 11 h 45 min
